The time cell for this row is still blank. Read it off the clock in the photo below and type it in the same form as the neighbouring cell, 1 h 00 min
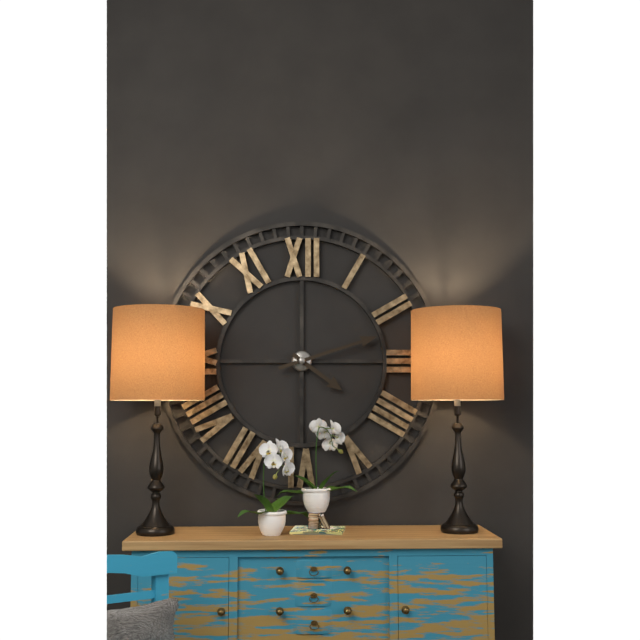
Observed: 4 h 12 min
